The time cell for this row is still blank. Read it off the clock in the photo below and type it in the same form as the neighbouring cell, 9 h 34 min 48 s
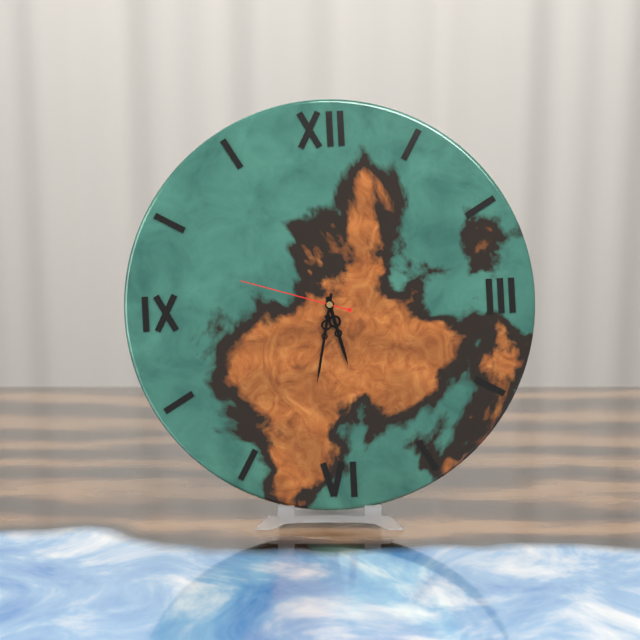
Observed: 5 h 32 min 48 s
